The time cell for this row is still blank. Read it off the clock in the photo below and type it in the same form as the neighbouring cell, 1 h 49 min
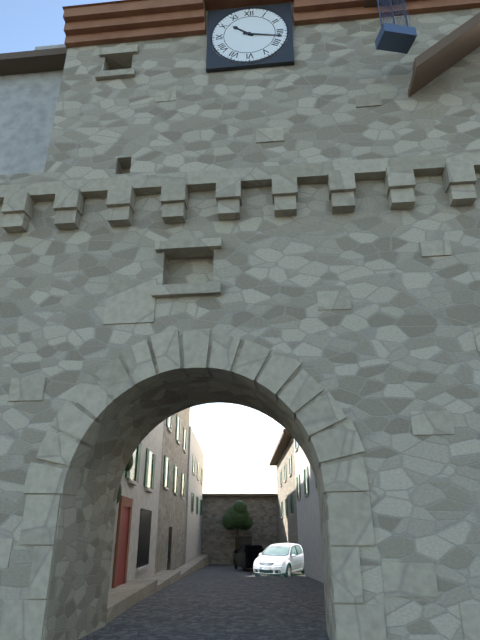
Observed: 10 h 17 min
